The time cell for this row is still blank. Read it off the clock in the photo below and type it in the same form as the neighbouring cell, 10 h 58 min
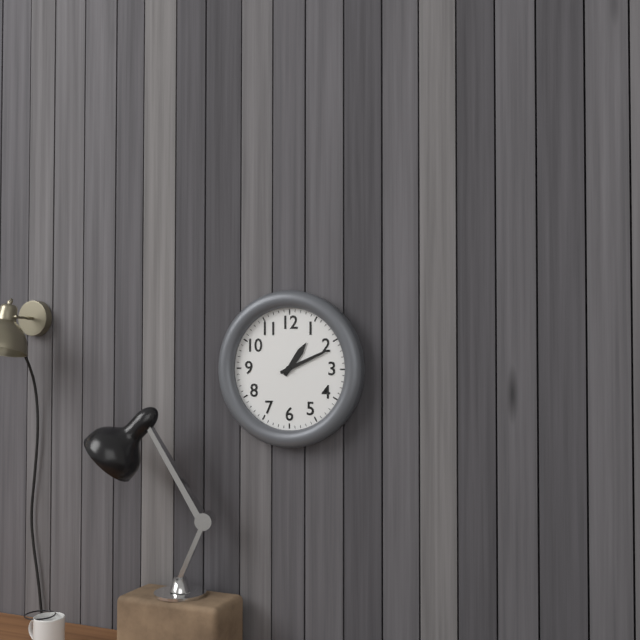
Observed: 1 h 11 min
